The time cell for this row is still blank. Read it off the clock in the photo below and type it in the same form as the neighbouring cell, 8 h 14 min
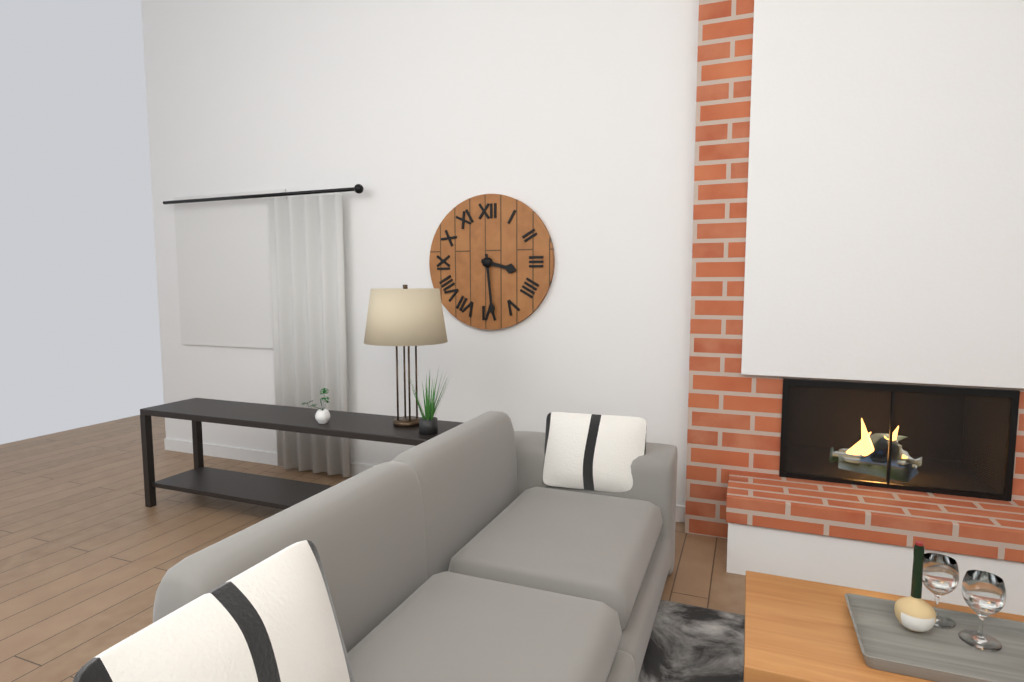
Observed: 3 h 29 min
